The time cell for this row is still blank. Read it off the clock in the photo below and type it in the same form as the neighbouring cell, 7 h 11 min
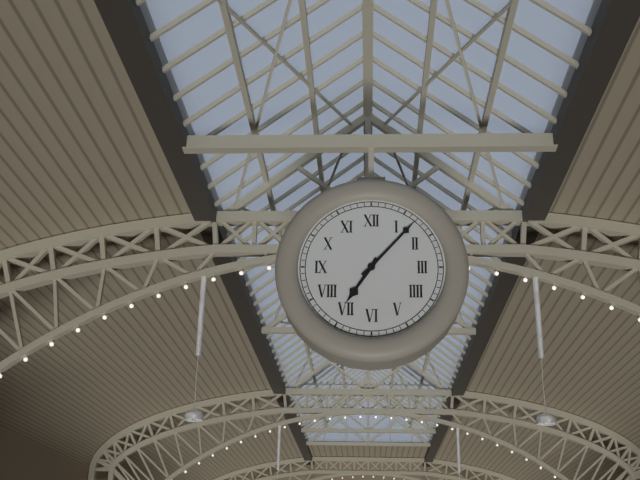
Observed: 7 h 07 min
